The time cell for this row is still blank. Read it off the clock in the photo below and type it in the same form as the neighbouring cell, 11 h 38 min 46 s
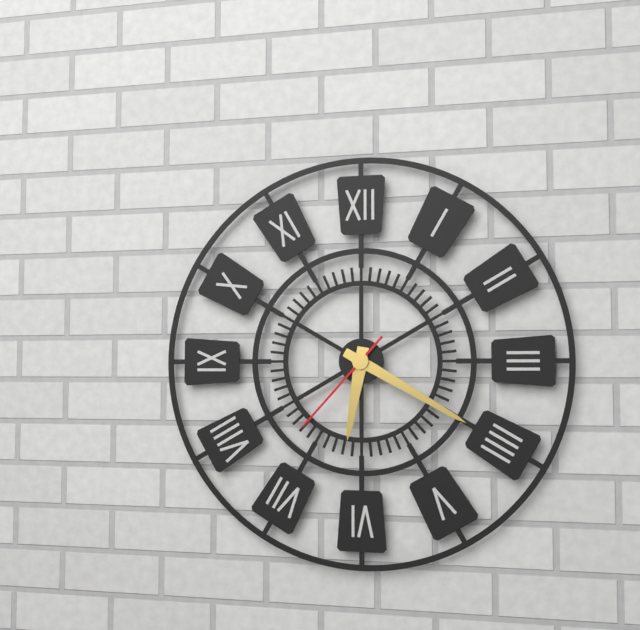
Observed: 6 h 20 min 37 s
